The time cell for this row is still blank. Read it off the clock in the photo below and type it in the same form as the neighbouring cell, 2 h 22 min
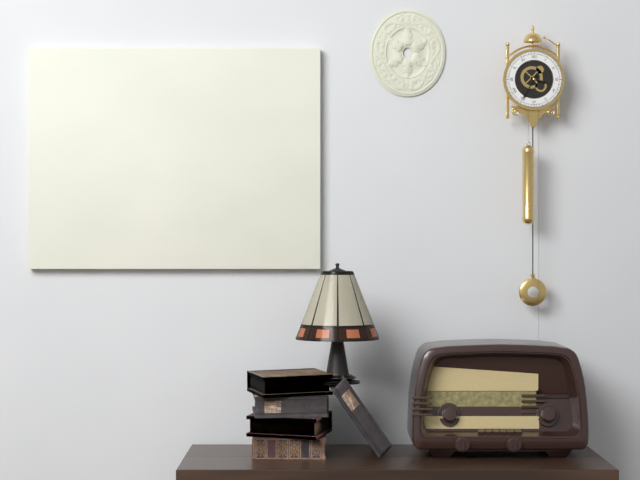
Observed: 3 h 35 min
